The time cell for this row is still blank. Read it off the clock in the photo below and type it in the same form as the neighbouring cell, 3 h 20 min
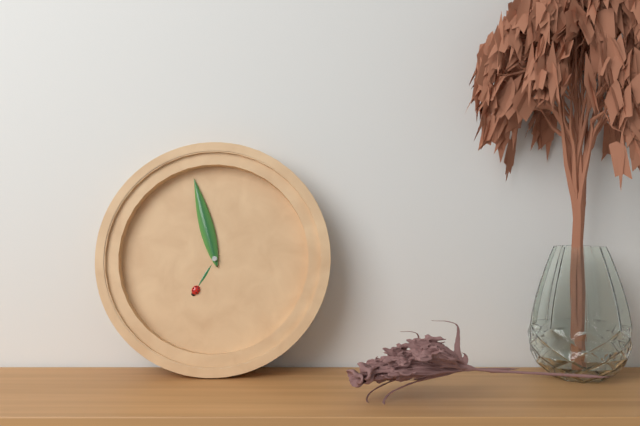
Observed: 6 h 57 min
